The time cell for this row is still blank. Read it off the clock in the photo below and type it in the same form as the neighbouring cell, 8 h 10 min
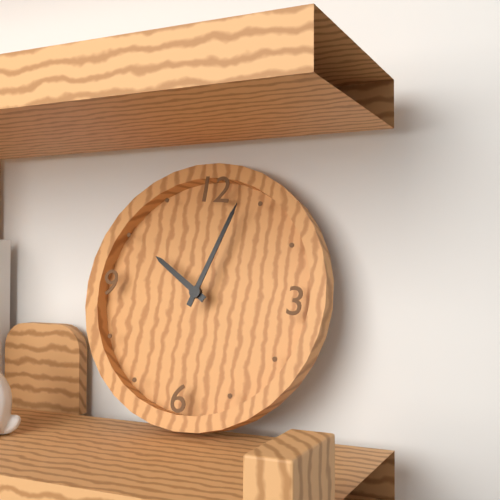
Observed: 10 h 03 min
